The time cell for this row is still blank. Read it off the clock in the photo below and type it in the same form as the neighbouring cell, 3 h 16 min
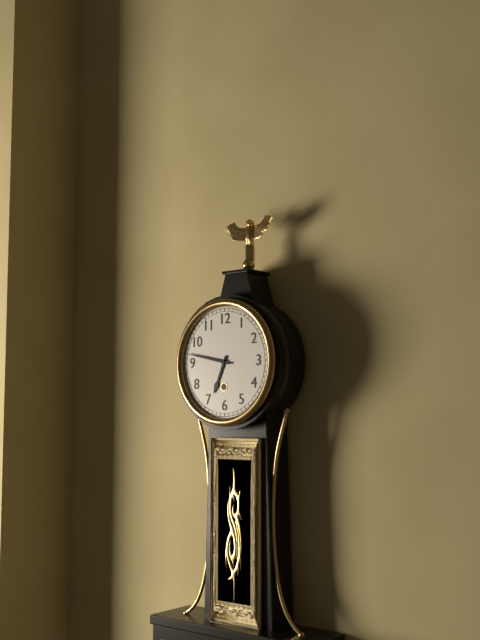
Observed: 6 h 47 min
